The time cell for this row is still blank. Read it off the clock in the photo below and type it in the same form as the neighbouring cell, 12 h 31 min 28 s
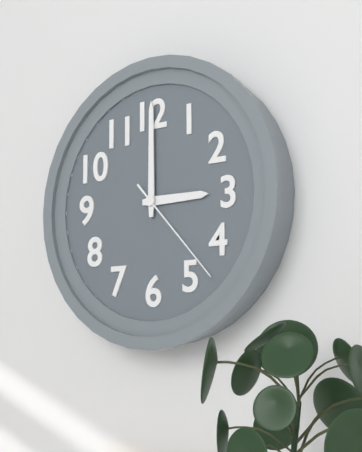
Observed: 3 h 00 min 23 s
